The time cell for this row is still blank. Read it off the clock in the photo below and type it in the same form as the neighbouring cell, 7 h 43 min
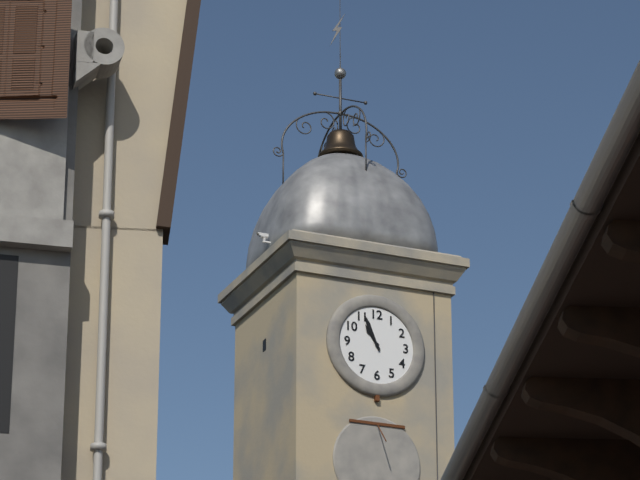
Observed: 10 h 56 min
